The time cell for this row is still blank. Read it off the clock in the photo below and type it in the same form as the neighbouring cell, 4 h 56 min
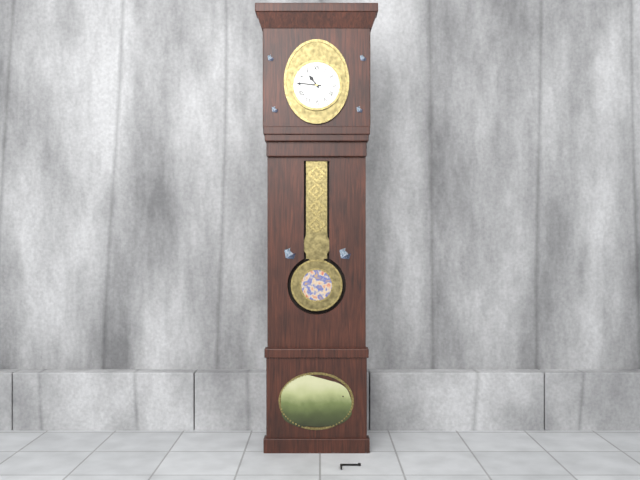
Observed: 10 h 46 min
